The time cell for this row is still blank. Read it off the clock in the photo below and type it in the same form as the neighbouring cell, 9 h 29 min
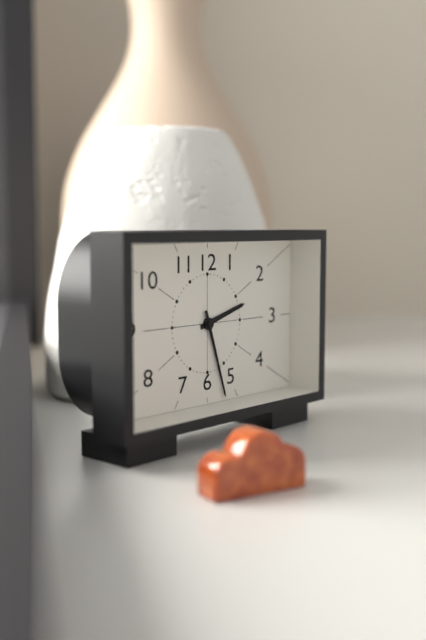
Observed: 2 h 27 min
